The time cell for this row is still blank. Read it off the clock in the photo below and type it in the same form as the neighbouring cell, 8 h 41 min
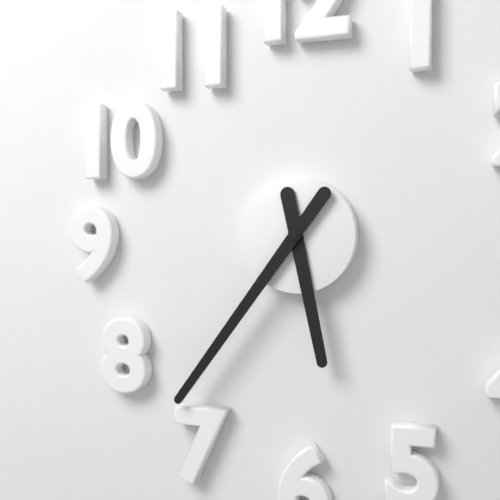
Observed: 5 h 36 min
